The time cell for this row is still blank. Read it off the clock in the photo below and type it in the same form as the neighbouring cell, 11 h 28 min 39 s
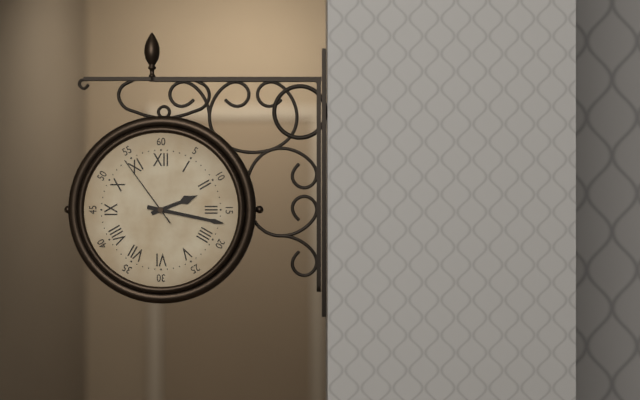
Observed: 2 h 17 min 54 s
